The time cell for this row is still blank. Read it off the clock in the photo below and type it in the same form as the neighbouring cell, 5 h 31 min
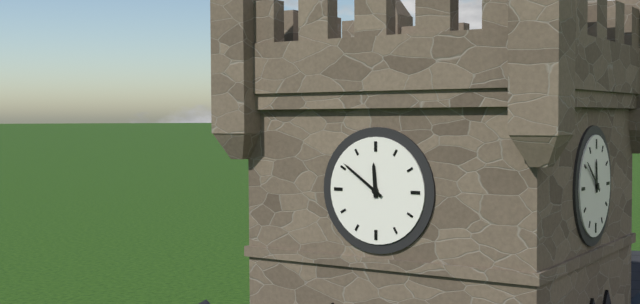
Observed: 11 h 51 min
